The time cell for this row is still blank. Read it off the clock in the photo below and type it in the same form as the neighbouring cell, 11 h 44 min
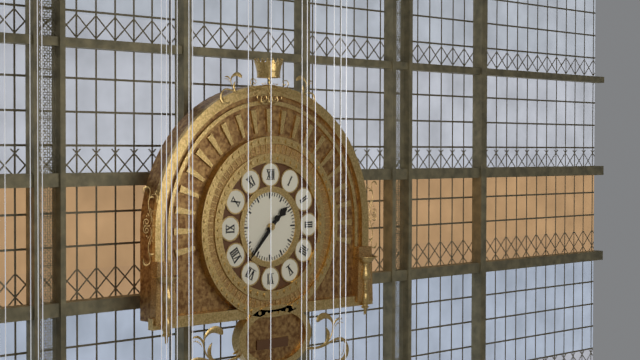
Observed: 1 h 37 min
